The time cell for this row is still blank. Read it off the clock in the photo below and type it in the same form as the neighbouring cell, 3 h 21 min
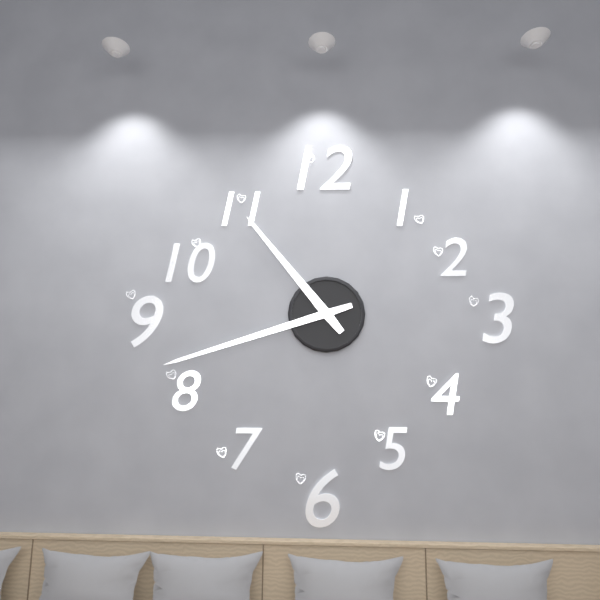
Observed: 10 h 42 min
